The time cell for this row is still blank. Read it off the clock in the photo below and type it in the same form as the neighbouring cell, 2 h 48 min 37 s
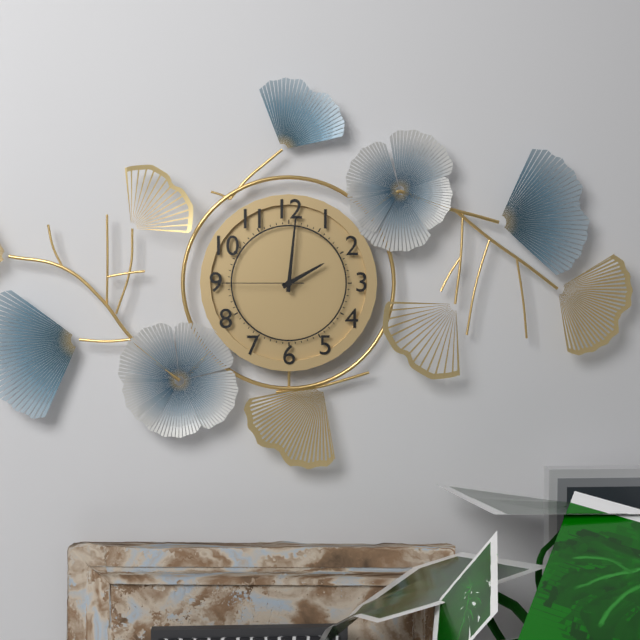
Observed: 2 h 01 min 45 s
